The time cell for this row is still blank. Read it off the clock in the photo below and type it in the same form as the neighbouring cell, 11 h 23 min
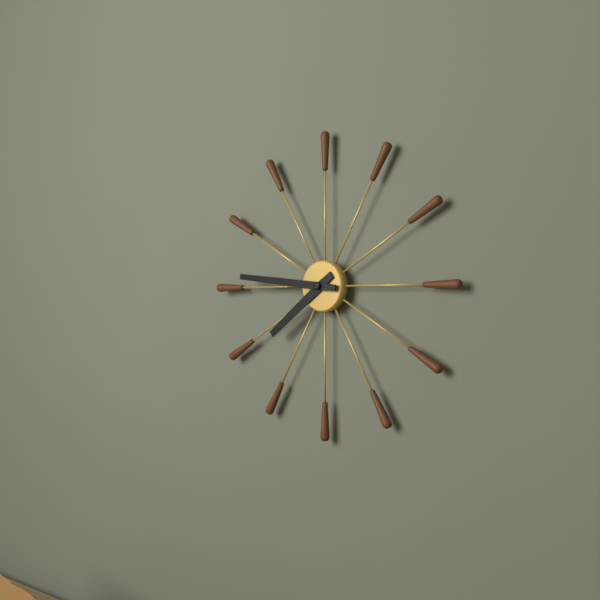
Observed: 7 h 46 min
